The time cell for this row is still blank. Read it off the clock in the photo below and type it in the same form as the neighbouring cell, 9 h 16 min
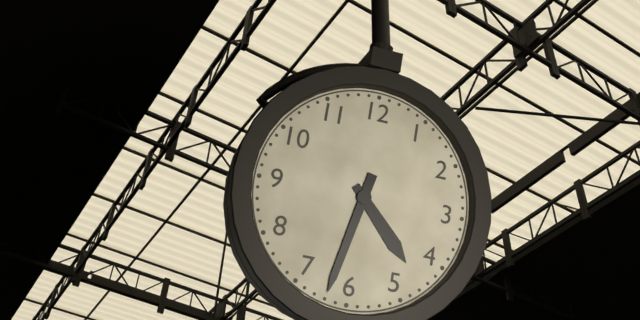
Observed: 4 h 32 min
